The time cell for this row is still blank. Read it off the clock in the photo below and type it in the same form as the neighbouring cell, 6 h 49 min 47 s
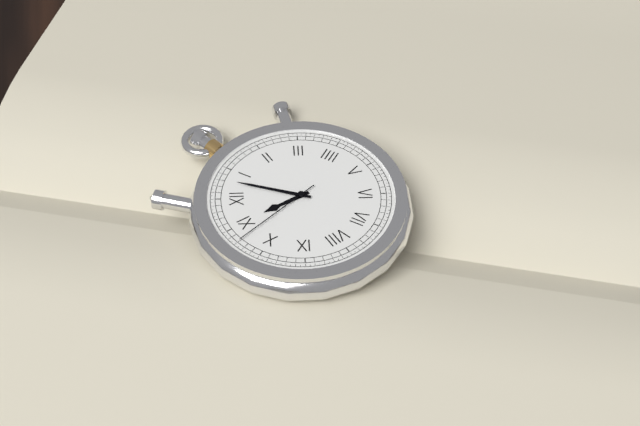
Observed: 11 h 03 min 53 s
